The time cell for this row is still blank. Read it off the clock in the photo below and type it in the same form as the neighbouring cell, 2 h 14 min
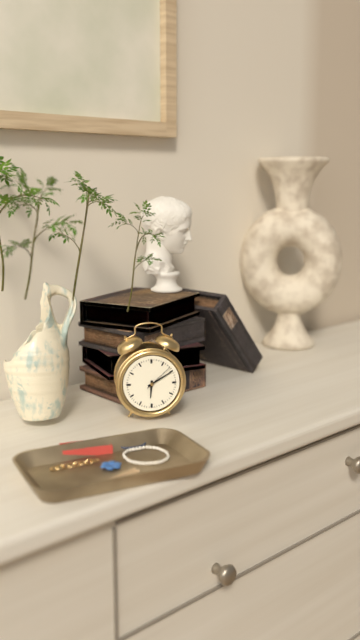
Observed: 6 h 10 min
